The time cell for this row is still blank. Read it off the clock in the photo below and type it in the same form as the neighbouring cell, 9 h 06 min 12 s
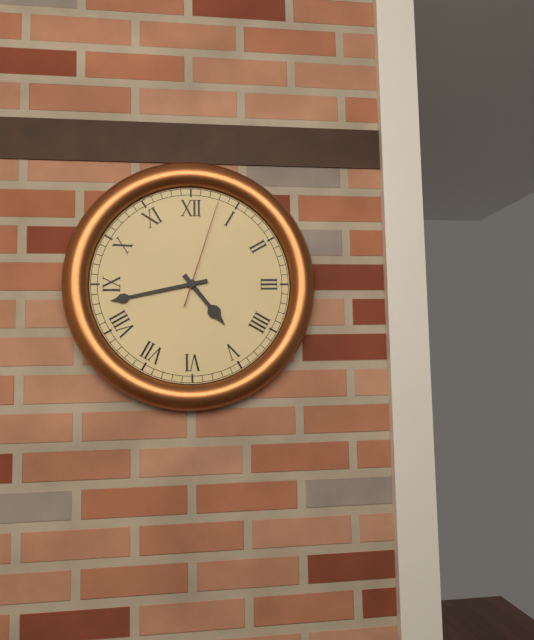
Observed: 4 h 43 min 03 s
